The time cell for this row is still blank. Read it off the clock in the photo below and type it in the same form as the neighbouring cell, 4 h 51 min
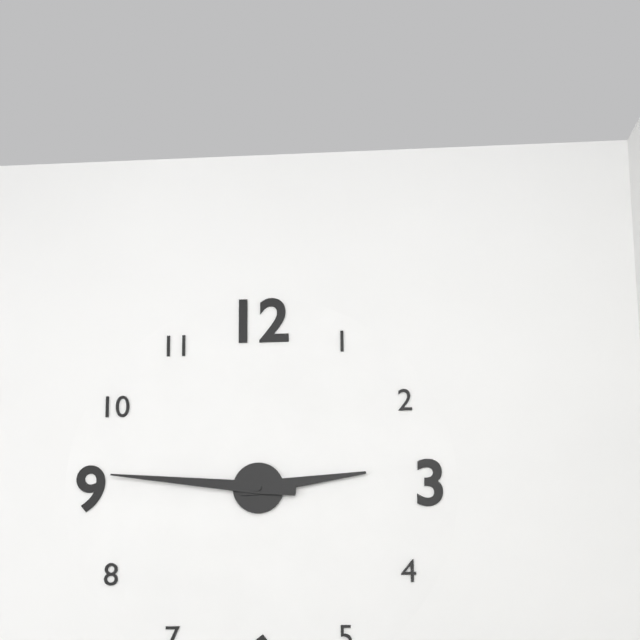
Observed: 2 h 46 min
